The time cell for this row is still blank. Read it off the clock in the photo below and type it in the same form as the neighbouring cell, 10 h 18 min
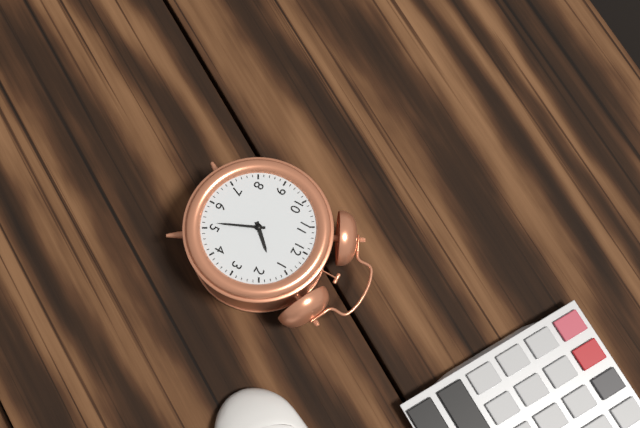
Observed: 1 h 26 min
